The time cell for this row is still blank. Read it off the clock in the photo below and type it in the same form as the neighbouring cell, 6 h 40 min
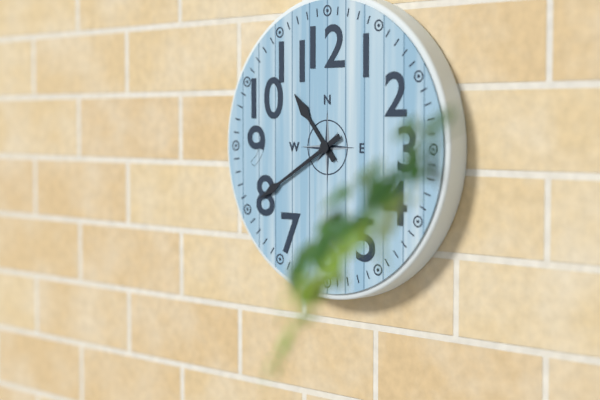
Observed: 10 h 40 min
